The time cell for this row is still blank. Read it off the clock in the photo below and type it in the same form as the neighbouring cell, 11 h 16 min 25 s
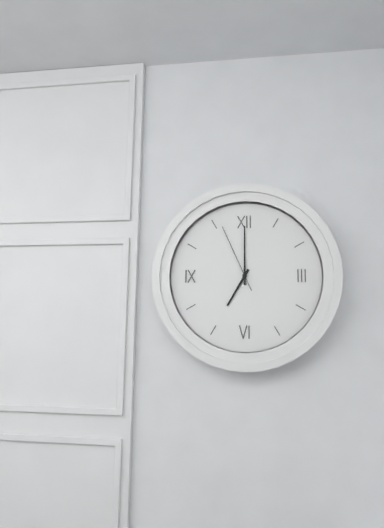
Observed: 7 h 00 min 56 s
